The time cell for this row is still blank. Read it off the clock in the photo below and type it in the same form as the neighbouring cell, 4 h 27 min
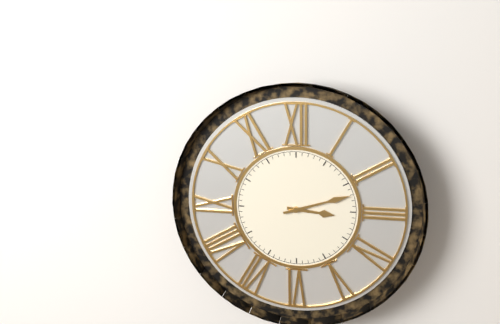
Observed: 3 h 12 min
